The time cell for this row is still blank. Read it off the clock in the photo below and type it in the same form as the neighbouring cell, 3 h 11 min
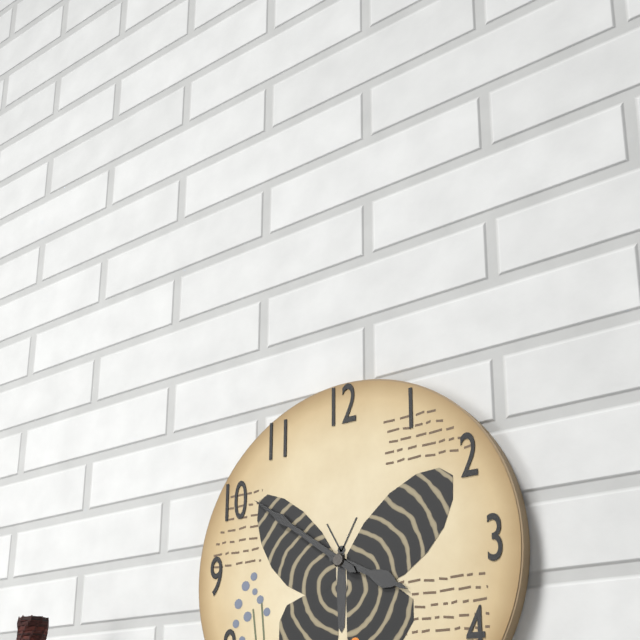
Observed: 3 h 51 min
